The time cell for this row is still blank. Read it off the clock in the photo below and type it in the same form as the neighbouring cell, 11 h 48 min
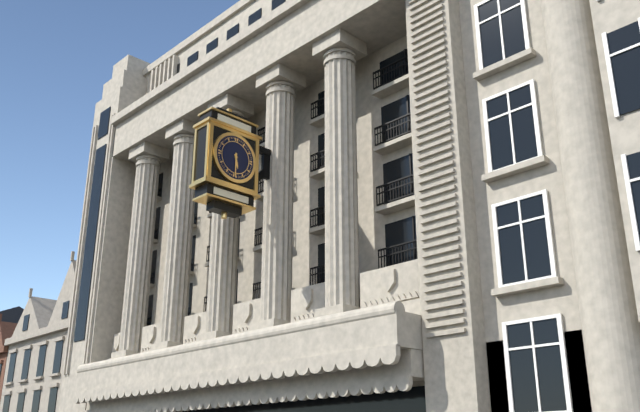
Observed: 5 h 30 min
